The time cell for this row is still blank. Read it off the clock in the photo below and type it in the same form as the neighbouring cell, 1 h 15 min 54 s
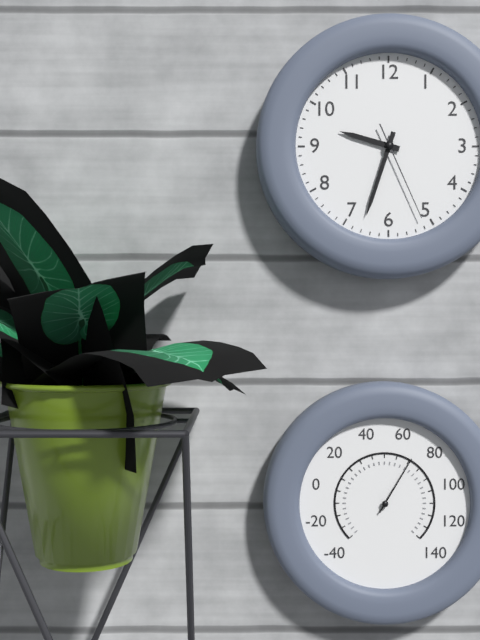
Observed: 9 h 33 min 26 s
